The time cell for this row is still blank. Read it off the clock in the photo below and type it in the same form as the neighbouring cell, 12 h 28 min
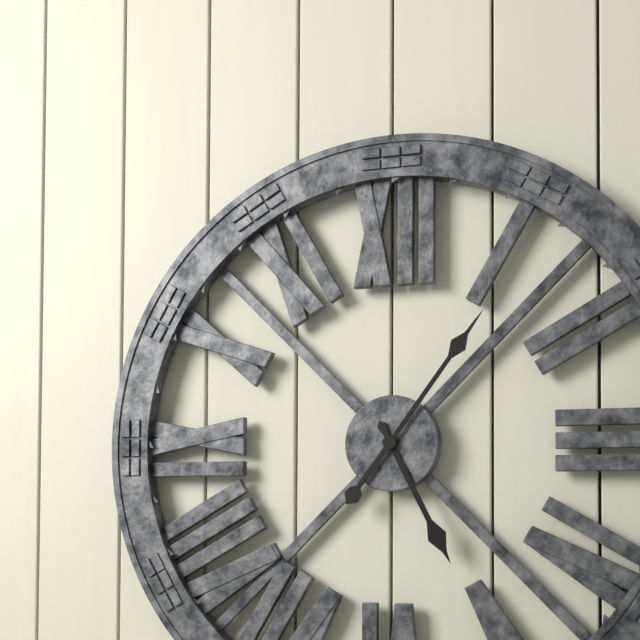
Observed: 5 h 06 min
